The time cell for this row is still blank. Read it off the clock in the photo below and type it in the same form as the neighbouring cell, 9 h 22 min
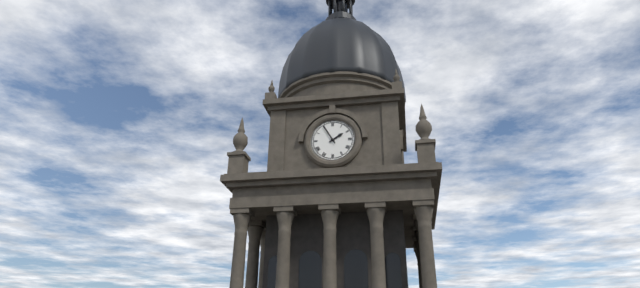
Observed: 1 h 55 min
